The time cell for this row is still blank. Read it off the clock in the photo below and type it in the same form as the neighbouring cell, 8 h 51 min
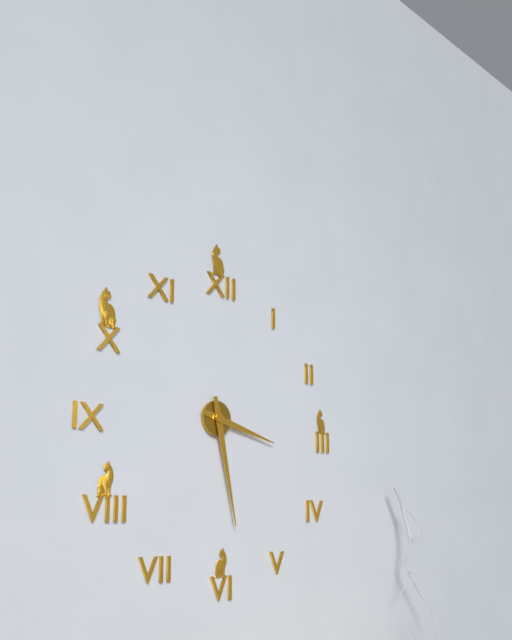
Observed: 3 h 28 min
